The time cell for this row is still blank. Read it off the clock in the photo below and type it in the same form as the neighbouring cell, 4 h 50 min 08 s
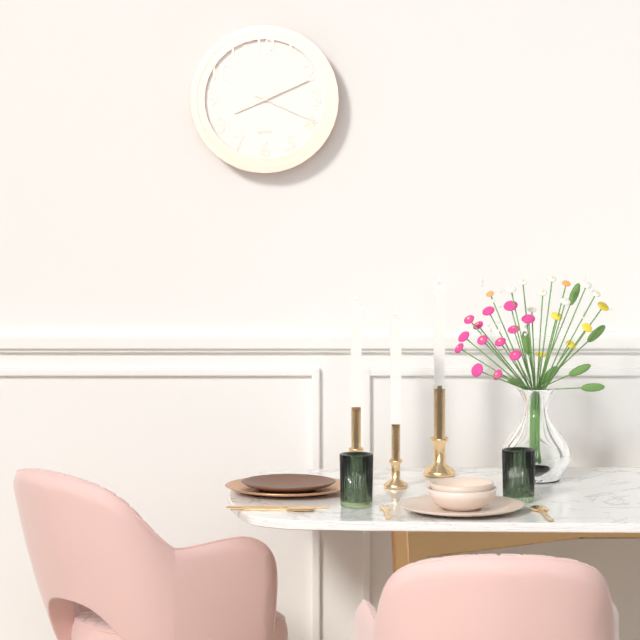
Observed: 8 h 11 min 19 s
